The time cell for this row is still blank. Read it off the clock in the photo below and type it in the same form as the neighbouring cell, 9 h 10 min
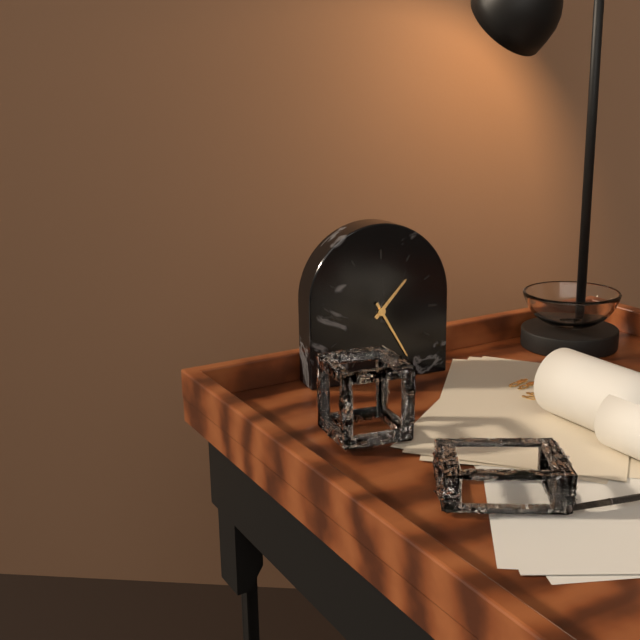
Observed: 1 h 25 min
